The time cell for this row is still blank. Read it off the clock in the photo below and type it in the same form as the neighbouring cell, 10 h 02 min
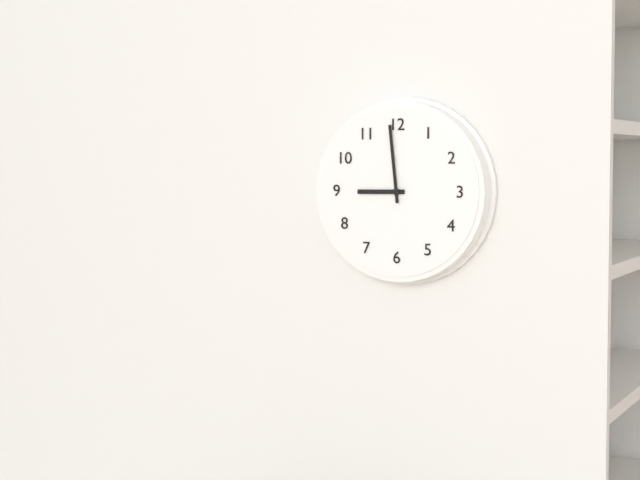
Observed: 8 h 59 min
